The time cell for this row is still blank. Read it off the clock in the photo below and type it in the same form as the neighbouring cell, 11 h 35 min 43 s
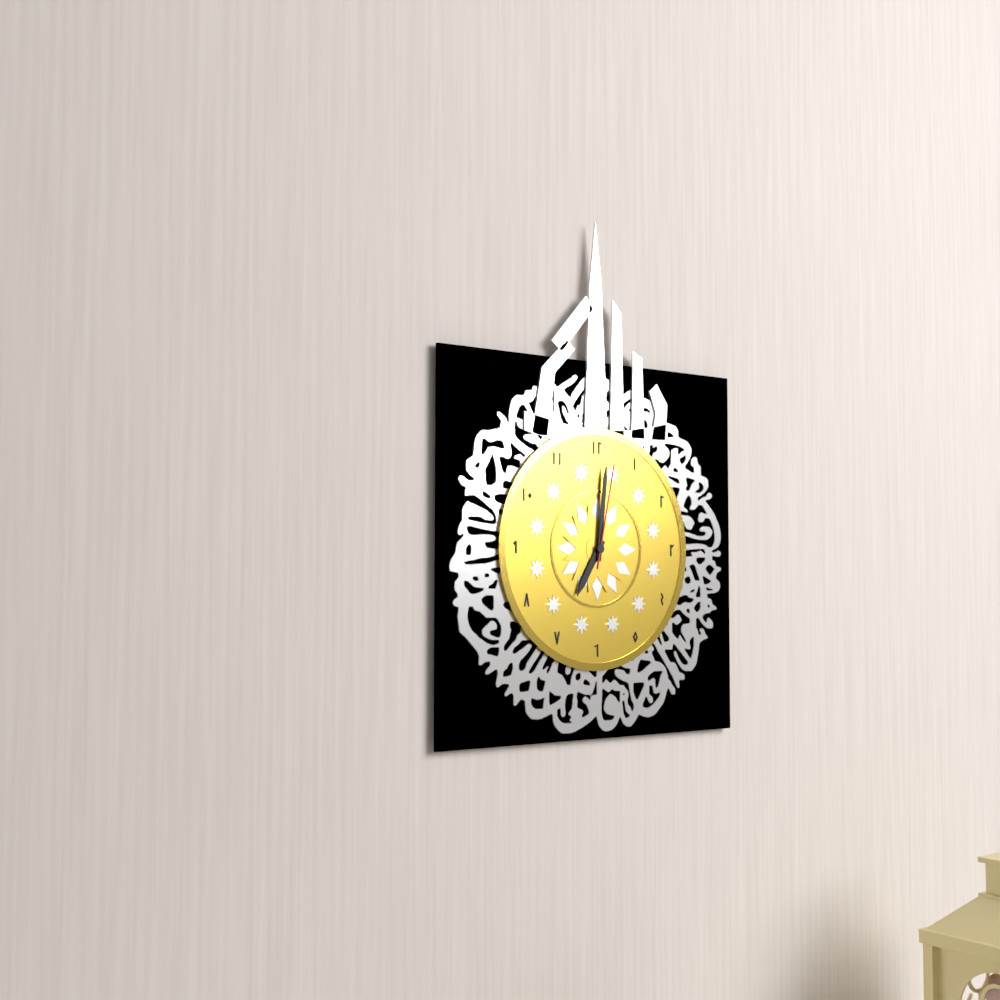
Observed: 7 h 01 min 02 s
